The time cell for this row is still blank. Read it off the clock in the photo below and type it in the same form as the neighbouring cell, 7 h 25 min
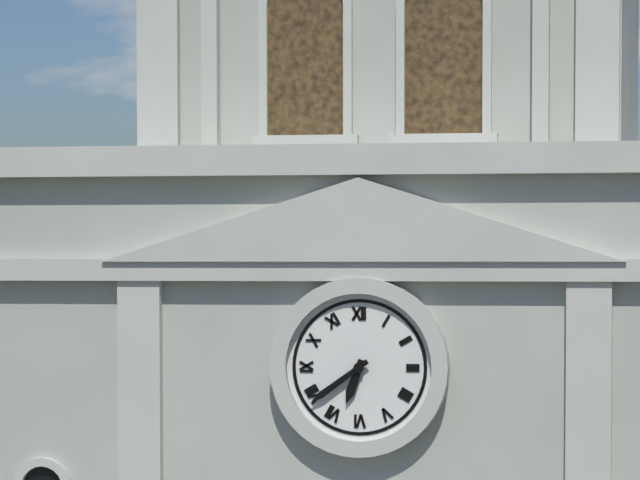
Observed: 6 h 39 min
